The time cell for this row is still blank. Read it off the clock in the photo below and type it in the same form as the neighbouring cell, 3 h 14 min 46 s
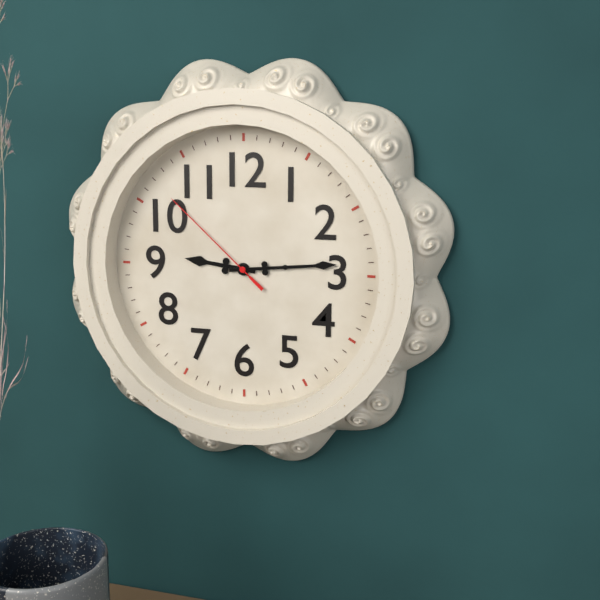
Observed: 9 h 14 min 52 s
